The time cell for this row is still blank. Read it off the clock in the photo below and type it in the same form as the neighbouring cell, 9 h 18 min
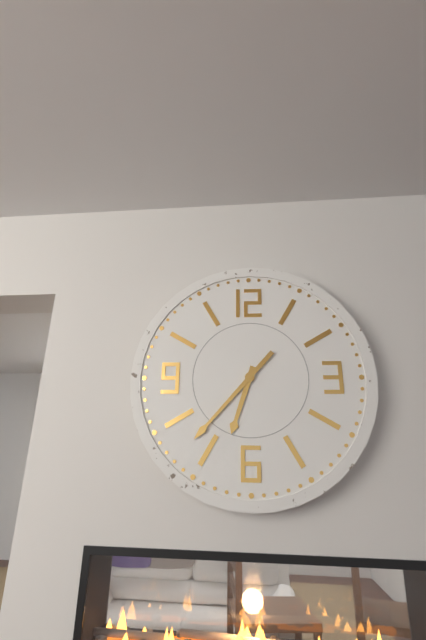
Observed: 6 h 37 min
